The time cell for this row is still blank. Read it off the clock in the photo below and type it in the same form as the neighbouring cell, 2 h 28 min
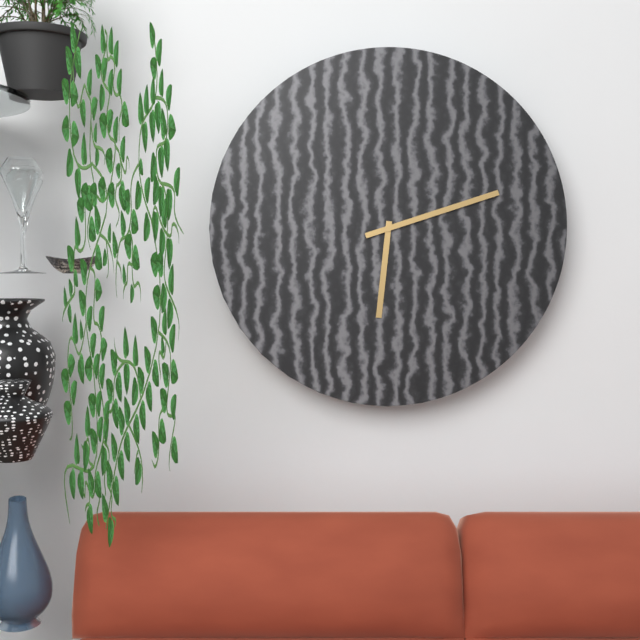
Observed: 6 h 12 min
